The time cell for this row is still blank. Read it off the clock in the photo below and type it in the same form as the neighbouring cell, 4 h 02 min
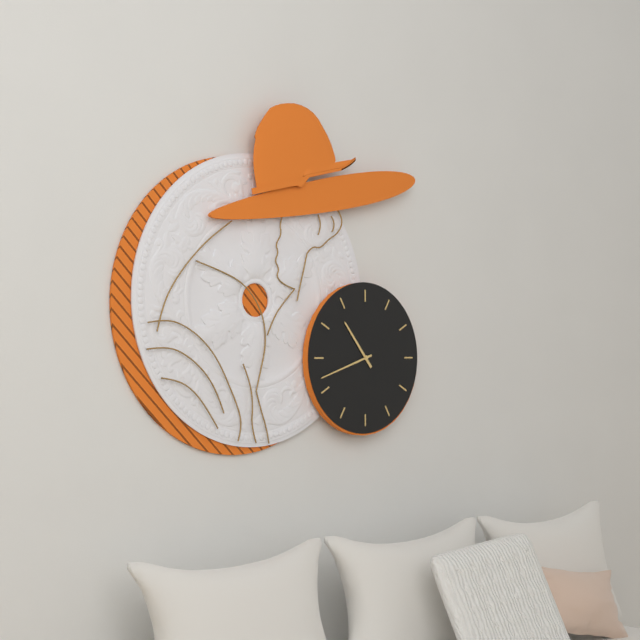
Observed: 10 h 42 min
